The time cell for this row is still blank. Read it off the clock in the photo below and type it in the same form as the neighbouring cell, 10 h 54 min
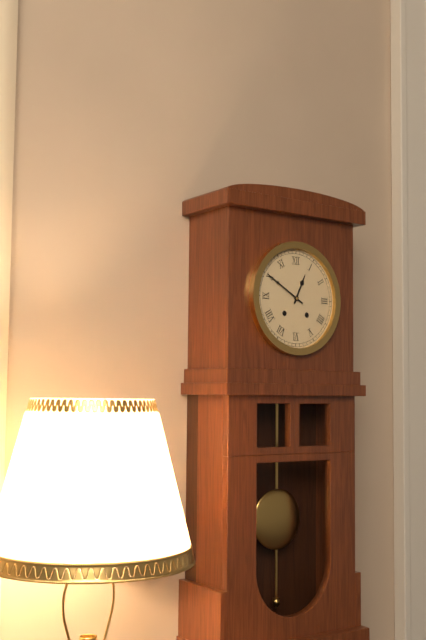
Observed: 12 h 50 min
